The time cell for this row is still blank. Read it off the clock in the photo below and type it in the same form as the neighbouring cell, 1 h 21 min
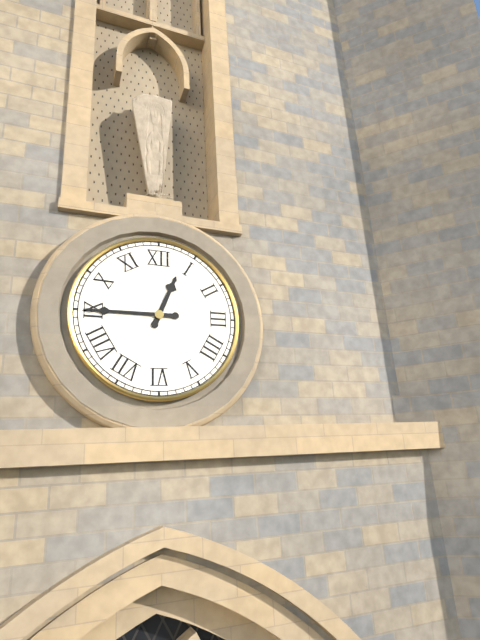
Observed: 12 h 45 min
